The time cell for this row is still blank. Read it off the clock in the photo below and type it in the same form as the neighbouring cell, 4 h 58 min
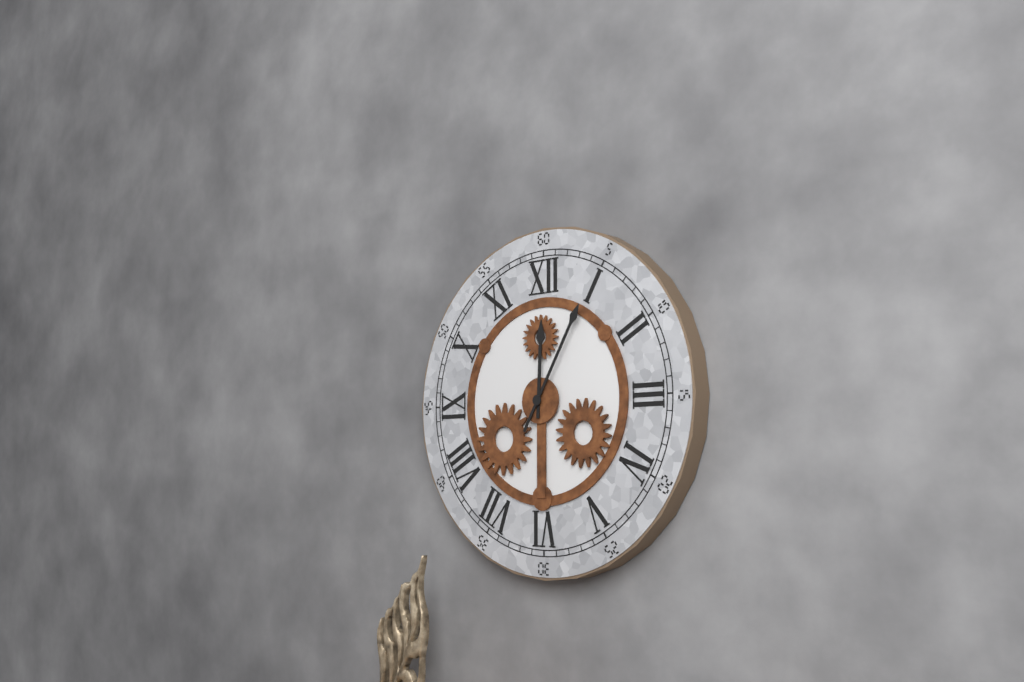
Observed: 12 h 05 min
